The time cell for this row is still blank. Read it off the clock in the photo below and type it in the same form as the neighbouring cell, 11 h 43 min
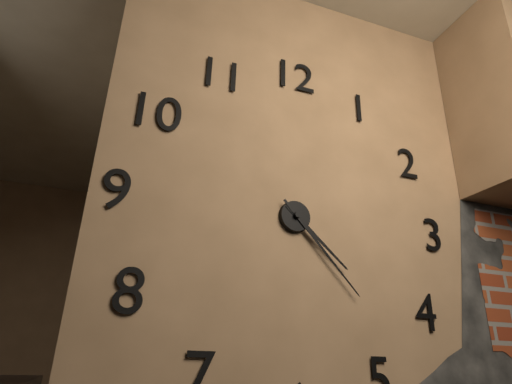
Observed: 4 h 23 min
